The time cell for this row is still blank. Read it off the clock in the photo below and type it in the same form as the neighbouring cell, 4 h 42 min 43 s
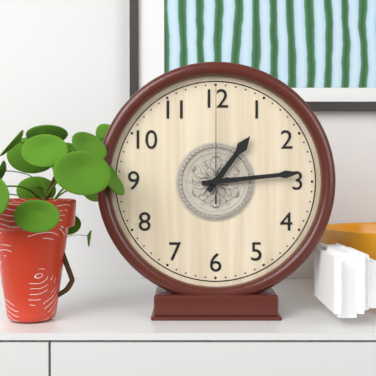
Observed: 1 h 14 min 00 s
